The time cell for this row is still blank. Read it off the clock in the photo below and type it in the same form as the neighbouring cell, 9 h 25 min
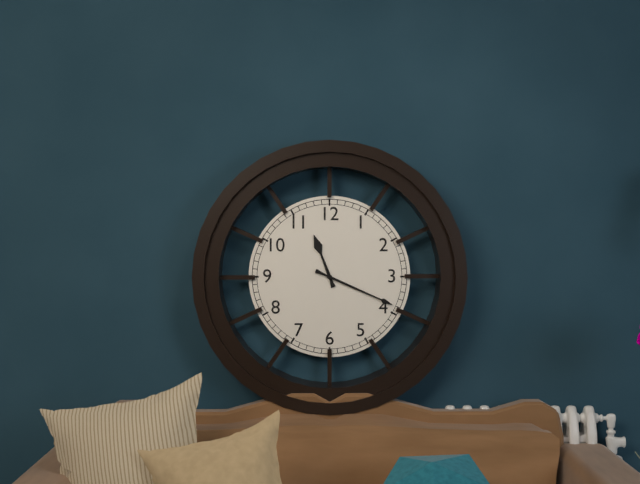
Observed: 11 h 19 min
